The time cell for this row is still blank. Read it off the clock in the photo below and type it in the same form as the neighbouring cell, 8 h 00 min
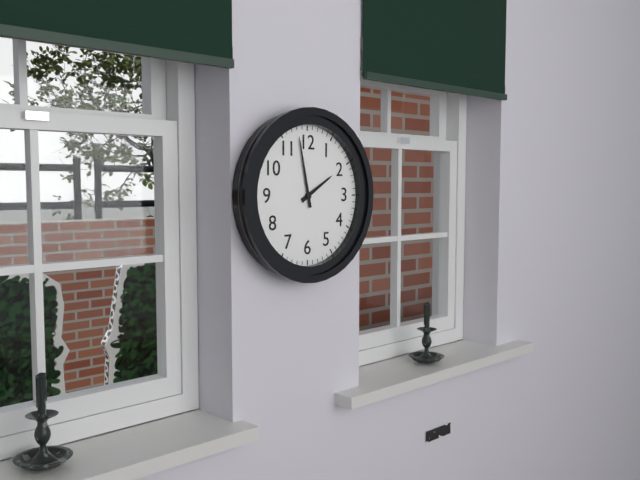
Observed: 1 h 58 min
